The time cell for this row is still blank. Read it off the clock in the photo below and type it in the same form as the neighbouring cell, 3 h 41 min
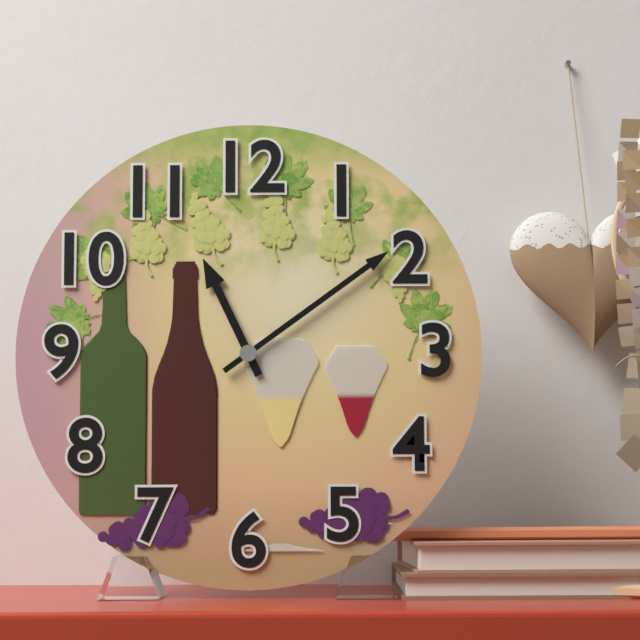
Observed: 11 h 09 min
